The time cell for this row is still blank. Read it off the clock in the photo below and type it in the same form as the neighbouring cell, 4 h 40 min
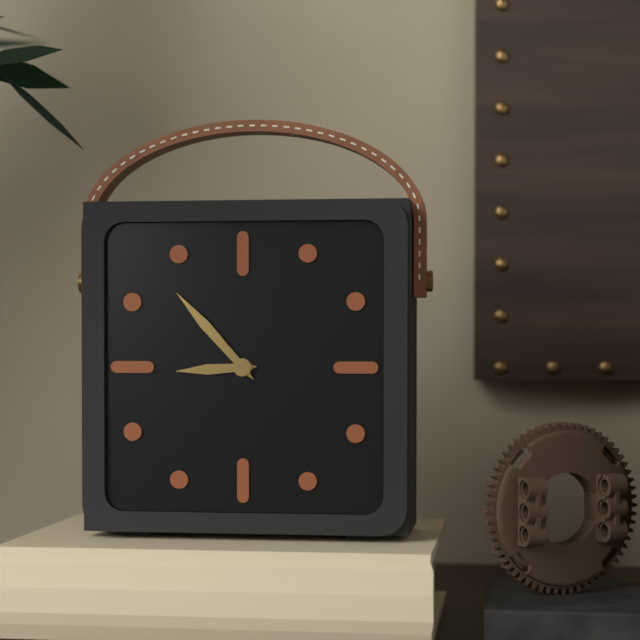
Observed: 8 h 53 min
